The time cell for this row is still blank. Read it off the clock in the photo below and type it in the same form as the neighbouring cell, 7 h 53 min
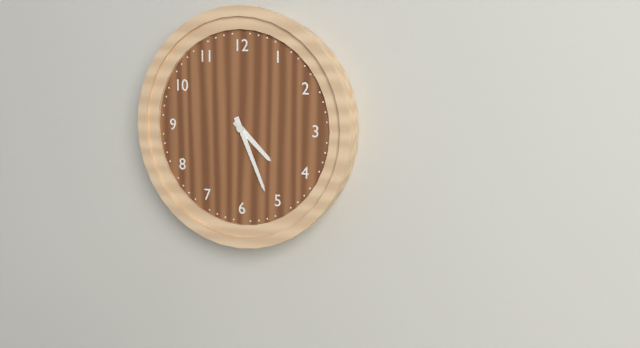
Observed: 4 h 26 min
